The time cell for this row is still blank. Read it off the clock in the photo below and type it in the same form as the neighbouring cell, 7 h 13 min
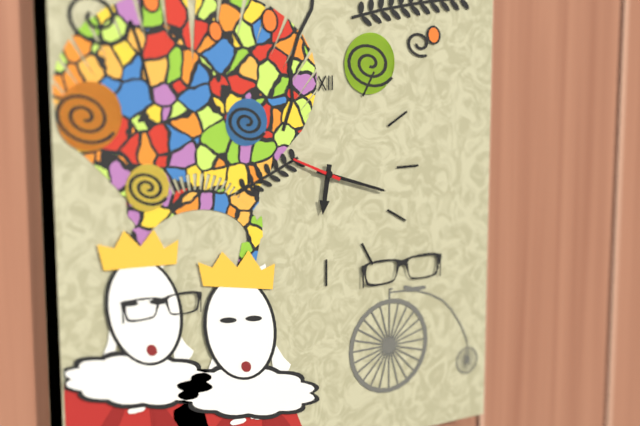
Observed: 6 h 18 min
